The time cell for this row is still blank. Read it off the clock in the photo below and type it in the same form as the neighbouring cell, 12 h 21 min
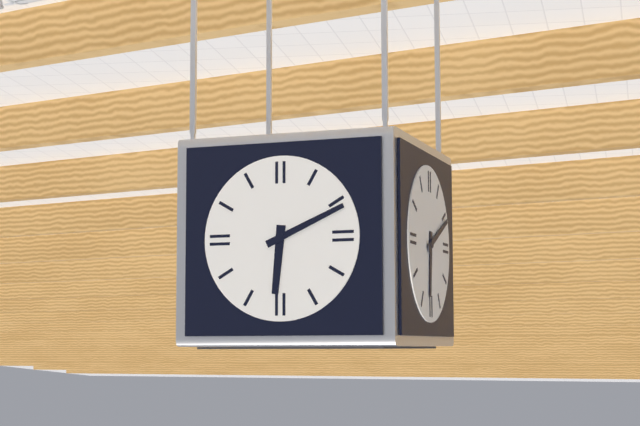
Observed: 6 h 11 min
